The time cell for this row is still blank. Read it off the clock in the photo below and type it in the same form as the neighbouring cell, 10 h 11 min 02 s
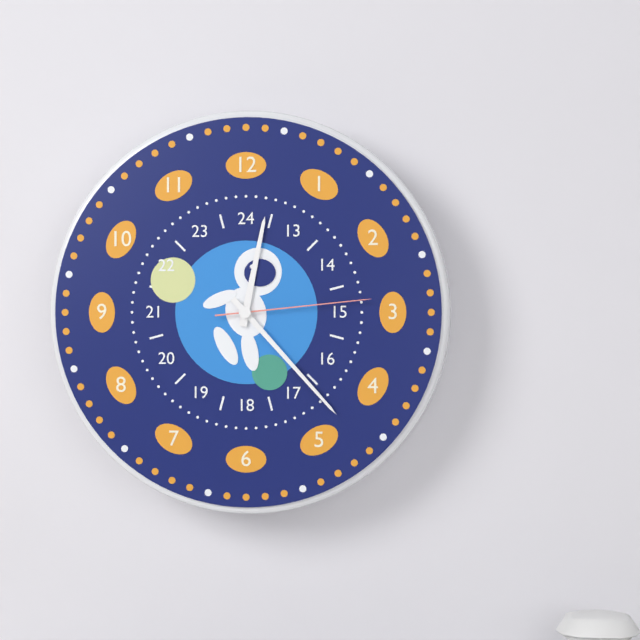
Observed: 12 h 23 min 14 s
